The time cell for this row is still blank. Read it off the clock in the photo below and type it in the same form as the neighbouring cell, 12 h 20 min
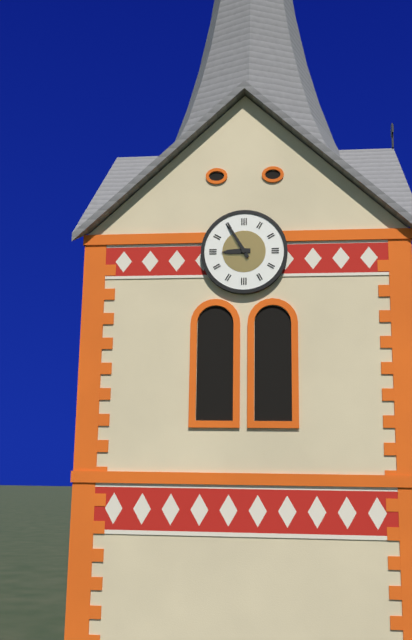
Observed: 8 h 55 min
